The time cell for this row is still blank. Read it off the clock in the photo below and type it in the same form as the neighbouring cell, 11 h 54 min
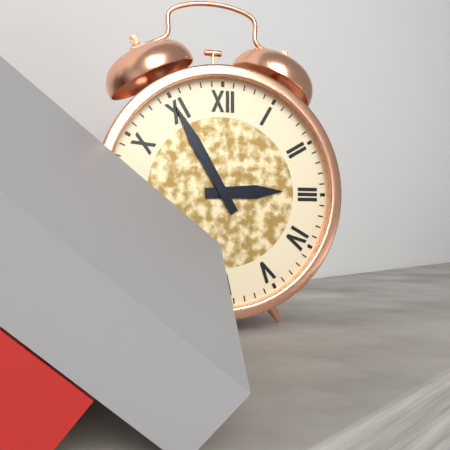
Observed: 2 h 55 min
